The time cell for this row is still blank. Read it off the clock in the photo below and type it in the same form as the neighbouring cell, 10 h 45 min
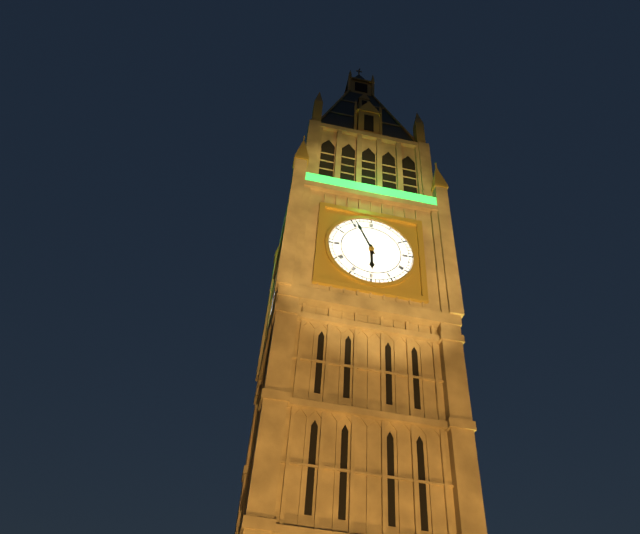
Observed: 5 h 56 min
